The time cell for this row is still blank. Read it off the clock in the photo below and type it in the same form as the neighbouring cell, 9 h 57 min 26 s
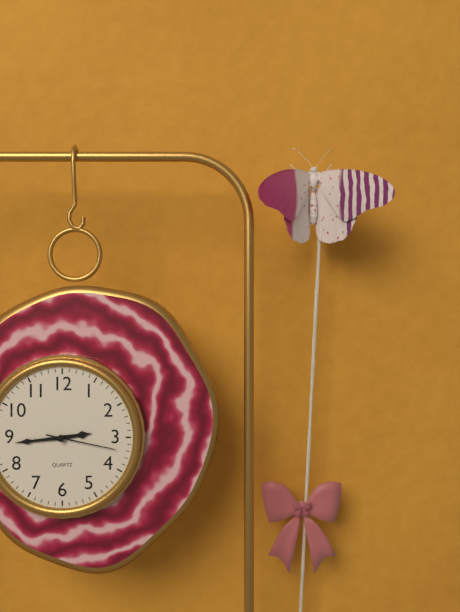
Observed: 2 h 44 min 17 s
